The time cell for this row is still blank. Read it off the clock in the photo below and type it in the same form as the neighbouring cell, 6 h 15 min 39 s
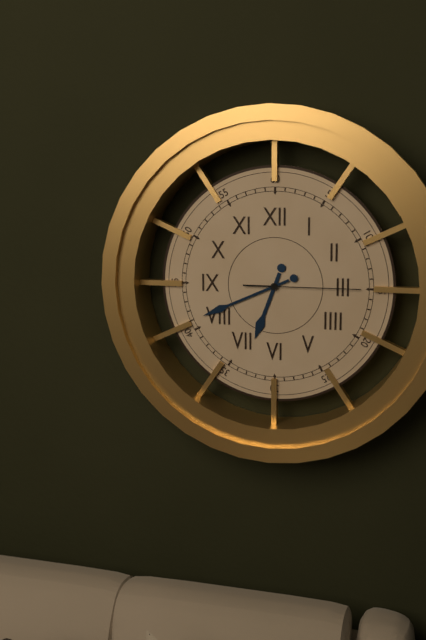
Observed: 6 h 41 min 15 s
